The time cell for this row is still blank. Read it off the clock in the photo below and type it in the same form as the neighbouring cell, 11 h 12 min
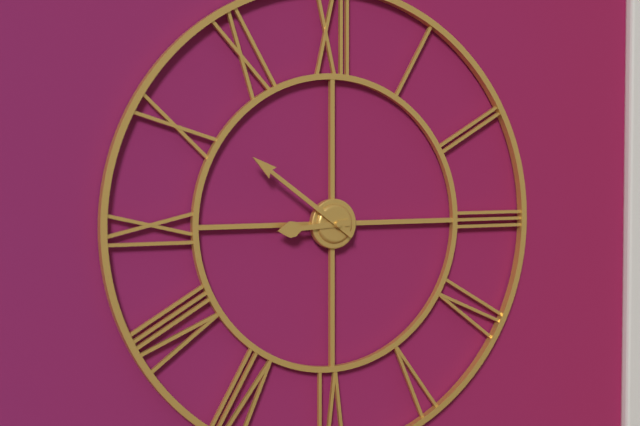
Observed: 8 h 51 min
